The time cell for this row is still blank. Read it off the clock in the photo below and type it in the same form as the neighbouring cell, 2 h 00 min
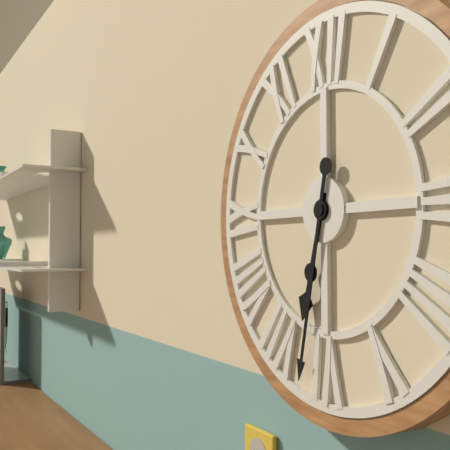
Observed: 6 h 32 min
